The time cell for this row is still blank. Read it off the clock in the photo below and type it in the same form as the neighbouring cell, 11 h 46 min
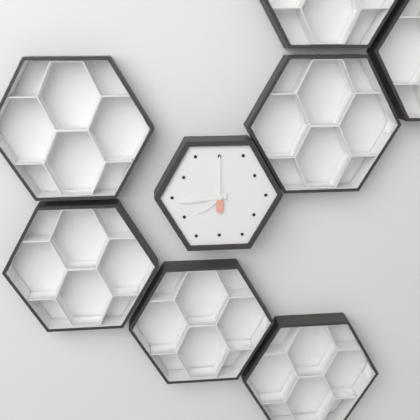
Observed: 7 h 44 min
